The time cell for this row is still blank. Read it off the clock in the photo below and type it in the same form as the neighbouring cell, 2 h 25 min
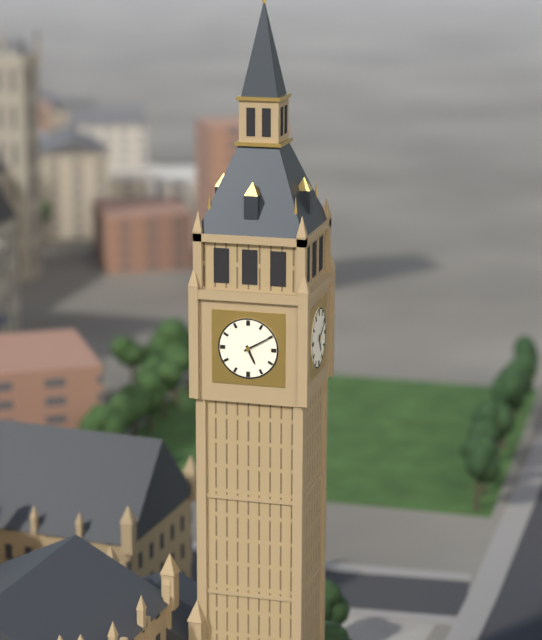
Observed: 5 h 10 min
